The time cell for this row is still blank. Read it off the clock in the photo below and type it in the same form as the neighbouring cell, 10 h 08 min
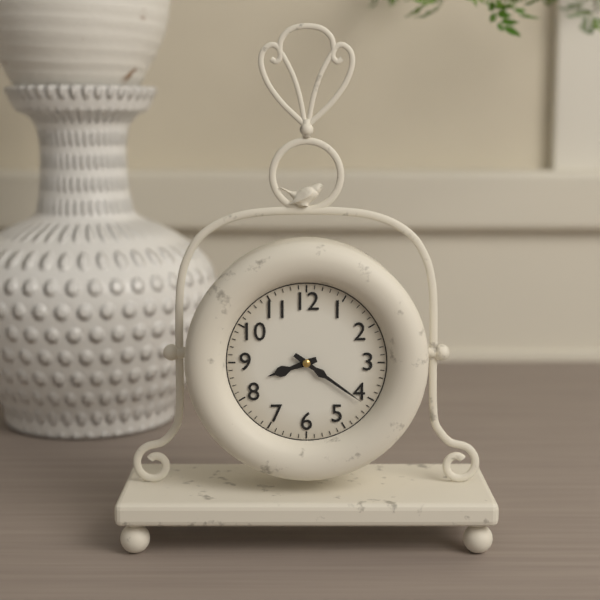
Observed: 8 h 21 min
